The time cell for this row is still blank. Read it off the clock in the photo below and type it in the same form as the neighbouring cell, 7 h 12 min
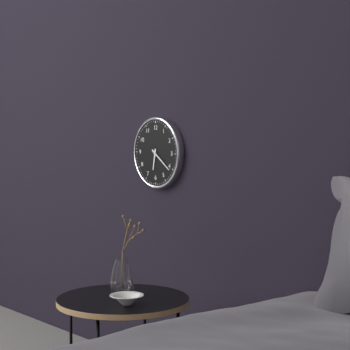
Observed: 6 h 21 min
